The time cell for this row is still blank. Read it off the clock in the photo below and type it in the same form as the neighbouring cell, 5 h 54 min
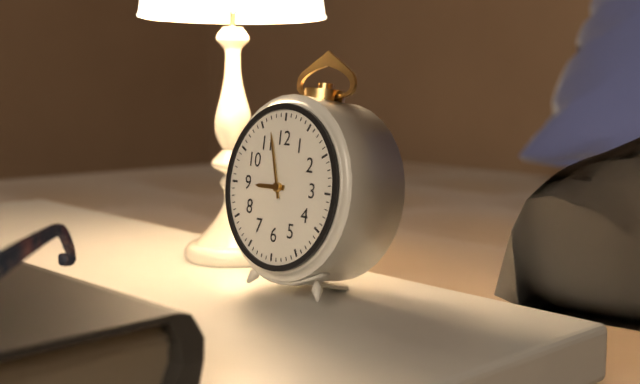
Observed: 8 h 57 min
